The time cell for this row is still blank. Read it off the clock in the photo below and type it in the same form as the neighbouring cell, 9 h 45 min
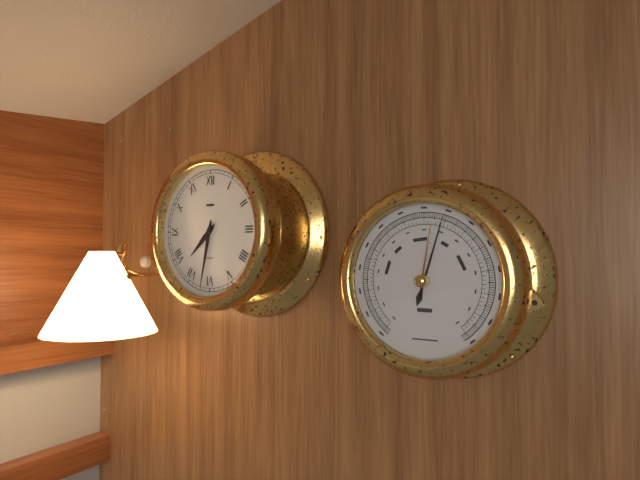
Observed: 7 h 32 min
